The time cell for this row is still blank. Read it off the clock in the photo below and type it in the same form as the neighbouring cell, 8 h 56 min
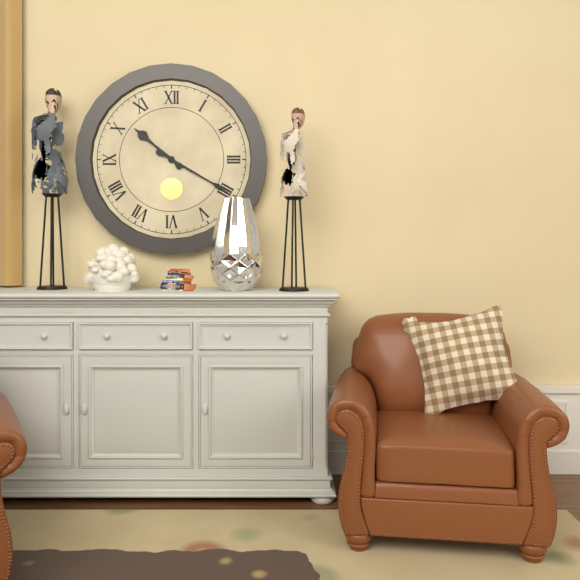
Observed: 10 h 20 min
